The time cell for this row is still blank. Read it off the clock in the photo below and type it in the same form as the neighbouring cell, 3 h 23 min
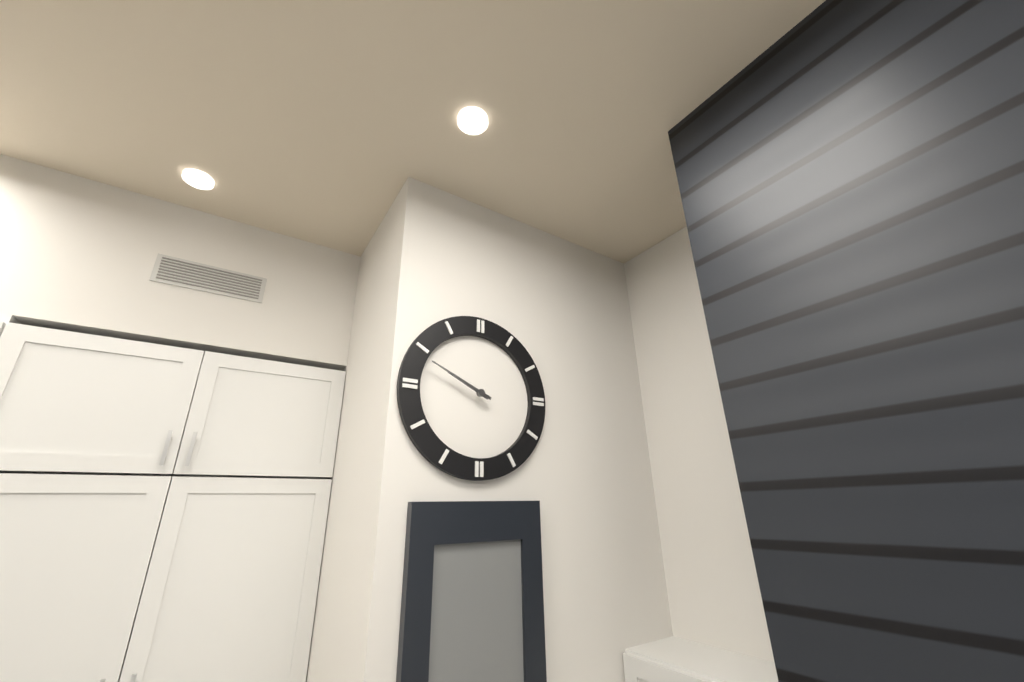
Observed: 9 h 49 min
